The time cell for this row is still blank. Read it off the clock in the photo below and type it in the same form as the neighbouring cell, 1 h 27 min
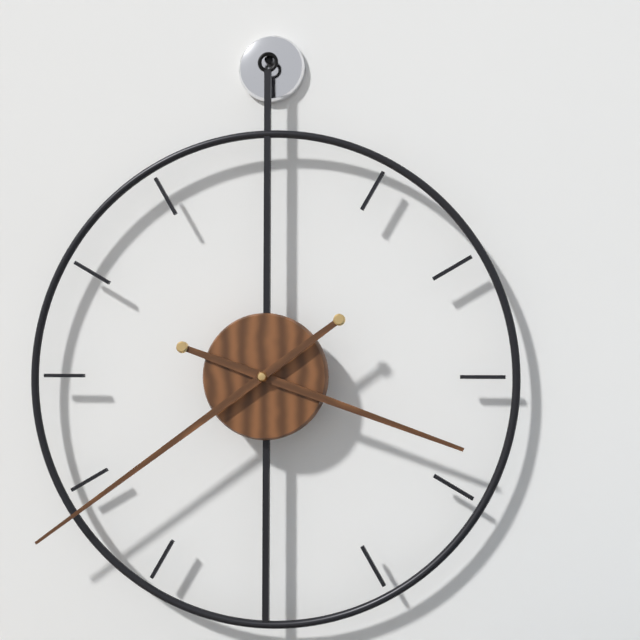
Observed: 3 h 39 min
